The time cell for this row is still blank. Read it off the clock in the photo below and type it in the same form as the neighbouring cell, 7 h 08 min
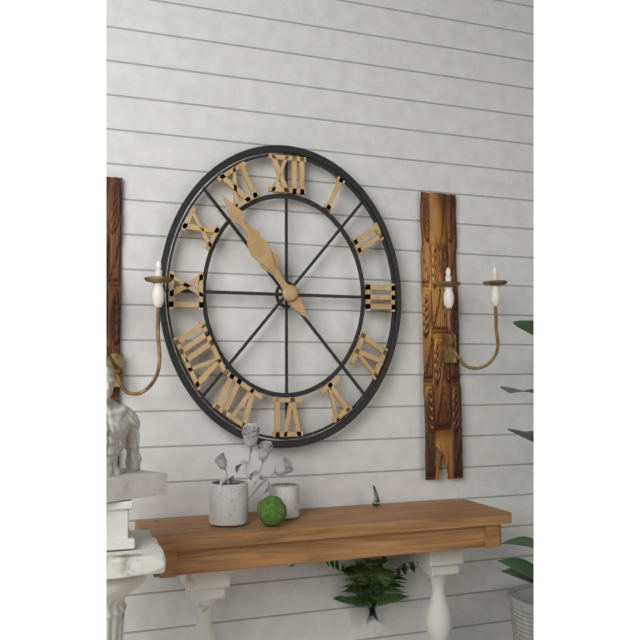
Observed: 10 h 54 min
